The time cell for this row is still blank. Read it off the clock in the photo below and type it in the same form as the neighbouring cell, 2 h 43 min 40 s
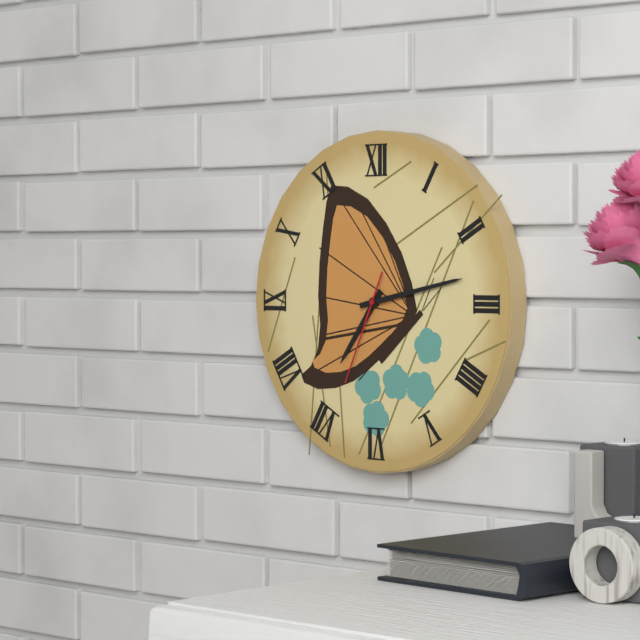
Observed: 7 h 13 min 34 s
